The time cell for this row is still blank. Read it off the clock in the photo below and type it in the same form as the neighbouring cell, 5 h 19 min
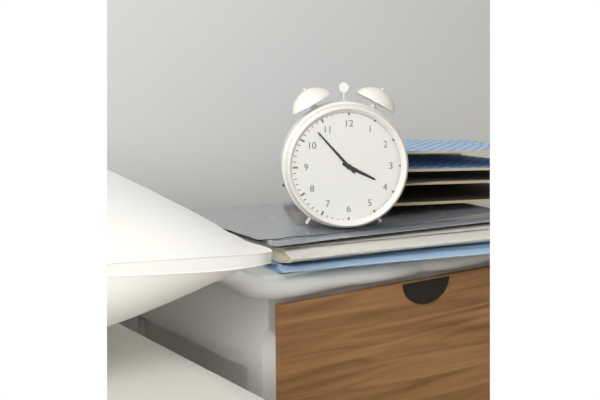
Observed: 3 h 53 min
